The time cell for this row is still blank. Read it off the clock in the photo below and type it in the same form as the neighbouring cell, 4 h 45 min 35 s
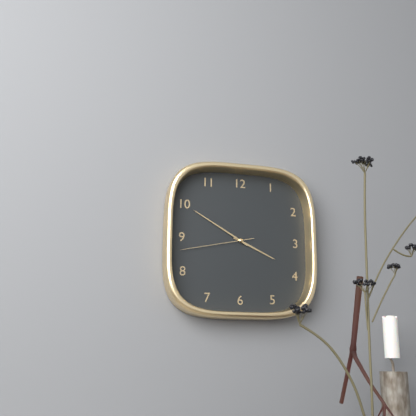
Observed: 3 h 50 min 43 s
